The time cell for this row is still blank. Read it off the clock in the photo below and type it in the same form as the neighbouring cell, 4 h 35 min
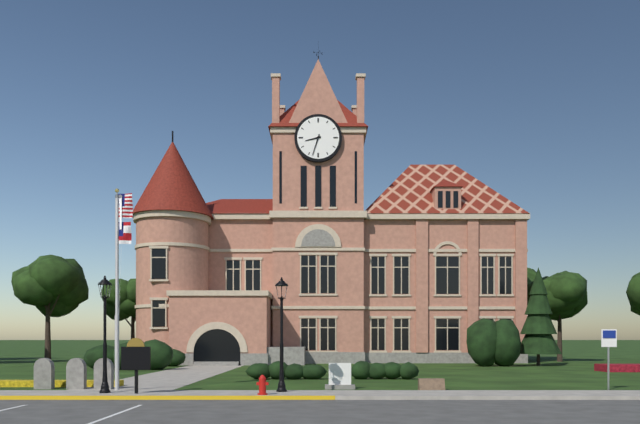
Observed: 8 h 33 min
